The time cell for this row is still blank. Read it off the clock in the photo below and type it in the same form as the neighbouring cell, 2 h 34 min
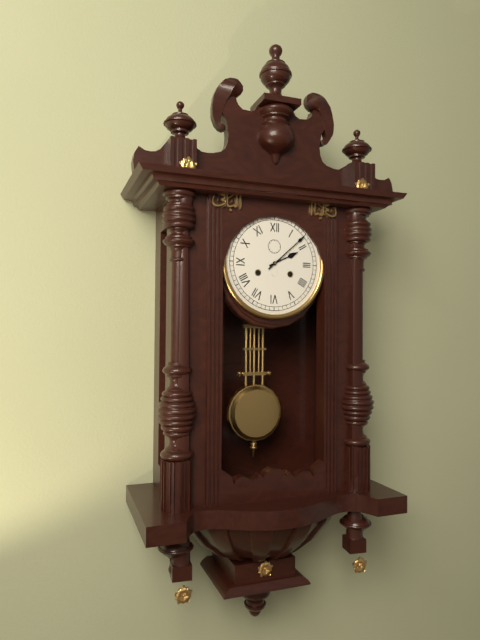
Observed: 2 h 08 min
